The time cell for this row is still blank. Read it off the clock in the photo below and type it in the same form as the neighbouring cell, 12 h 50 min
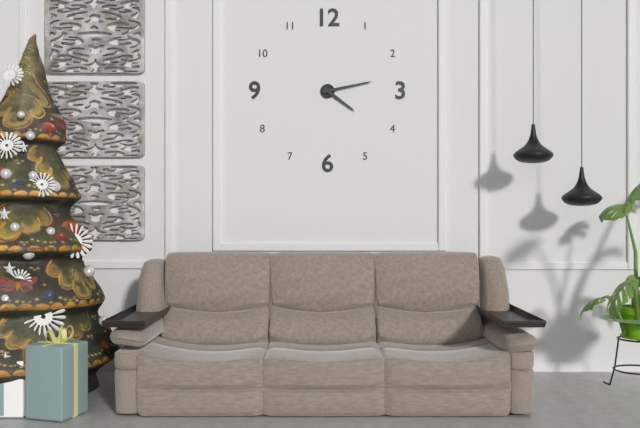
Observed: 4 h 13 min
